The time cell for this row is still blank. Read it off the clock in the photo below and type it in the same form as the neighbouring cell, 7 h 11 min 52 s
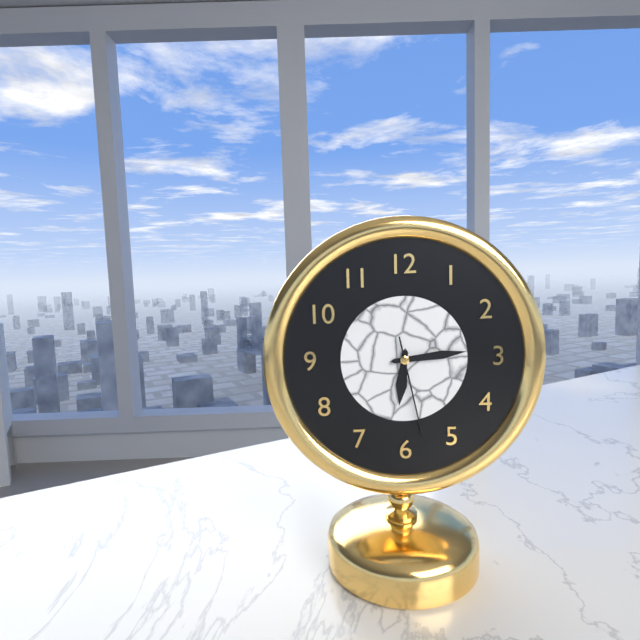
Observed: 6 h 14 min 28 s
